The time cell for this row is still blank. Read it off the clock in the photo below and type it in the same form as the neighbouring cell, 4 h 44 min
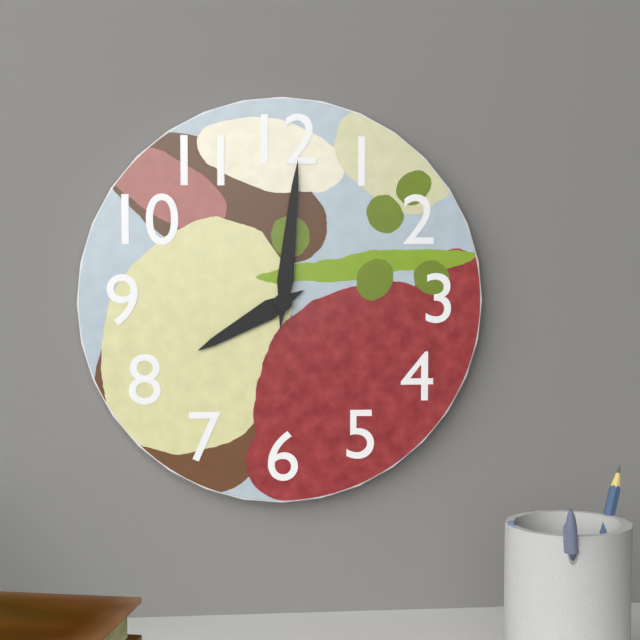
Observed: 8 h 01 min
